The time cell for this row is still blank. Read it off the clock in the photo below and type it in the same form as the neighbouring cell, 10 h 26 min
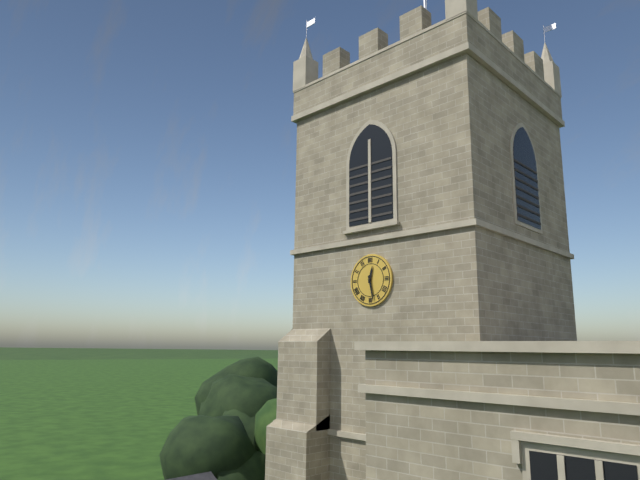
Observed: 12 h 28 min
